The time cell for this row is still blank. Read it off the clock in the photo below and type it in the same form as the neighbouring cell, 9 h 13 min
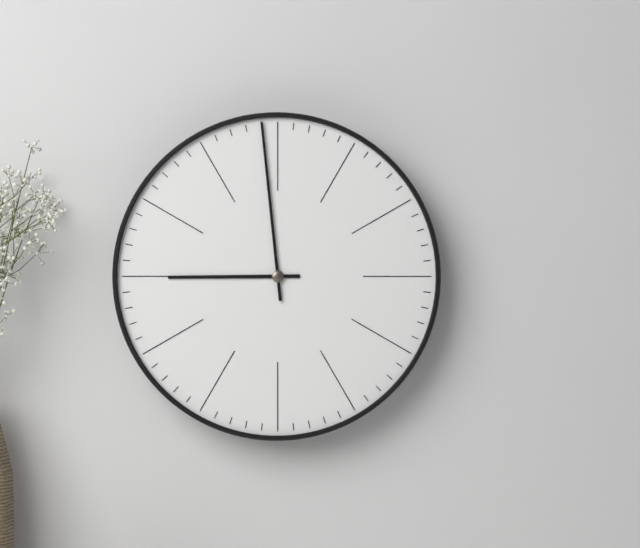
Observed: 8 h 59 min
